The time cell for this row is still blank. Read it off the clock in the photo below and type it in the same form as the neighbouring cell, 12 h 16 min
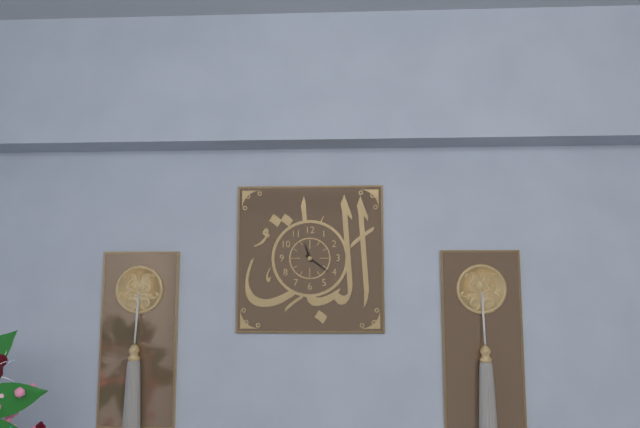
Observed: 11 h 21 min
